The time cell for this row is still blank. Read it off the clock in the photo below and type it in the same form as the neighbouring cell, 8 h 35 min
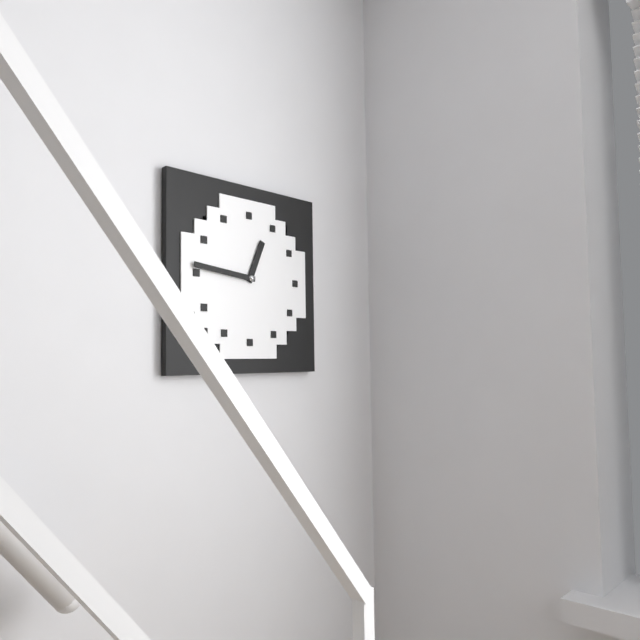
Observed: 12 h 46 min
